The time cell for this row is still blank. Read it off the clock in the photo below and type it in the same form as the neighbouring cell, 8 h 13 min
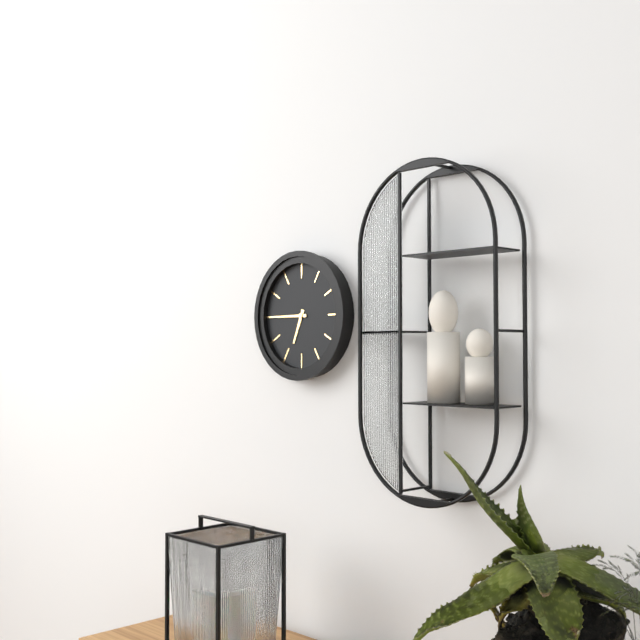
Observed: 6 h 45 min
